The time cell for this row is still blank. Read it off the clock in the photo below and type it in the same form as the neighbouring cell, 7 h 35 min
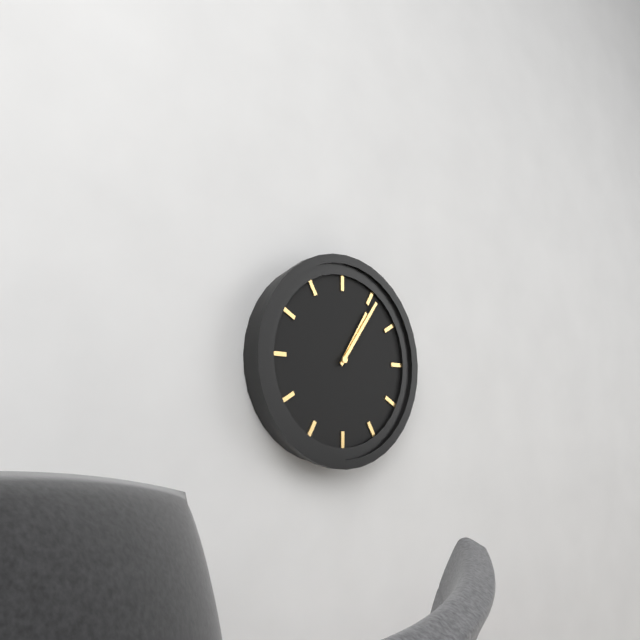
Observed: 1 h 06 min
